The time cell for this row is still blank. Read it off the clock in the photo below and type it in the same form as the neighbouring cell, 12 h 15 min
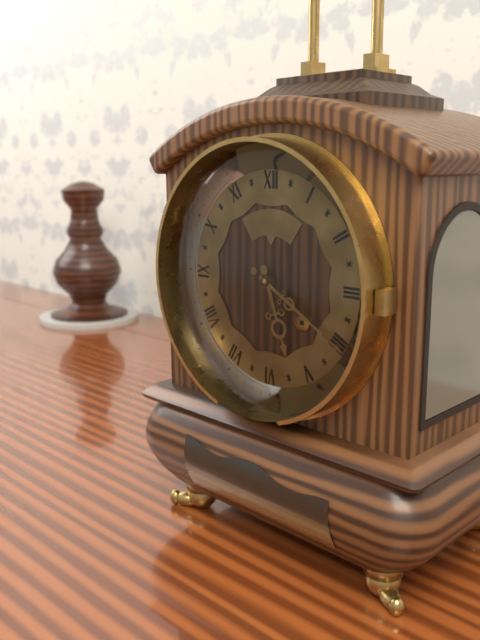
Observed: 5 h 20 min
